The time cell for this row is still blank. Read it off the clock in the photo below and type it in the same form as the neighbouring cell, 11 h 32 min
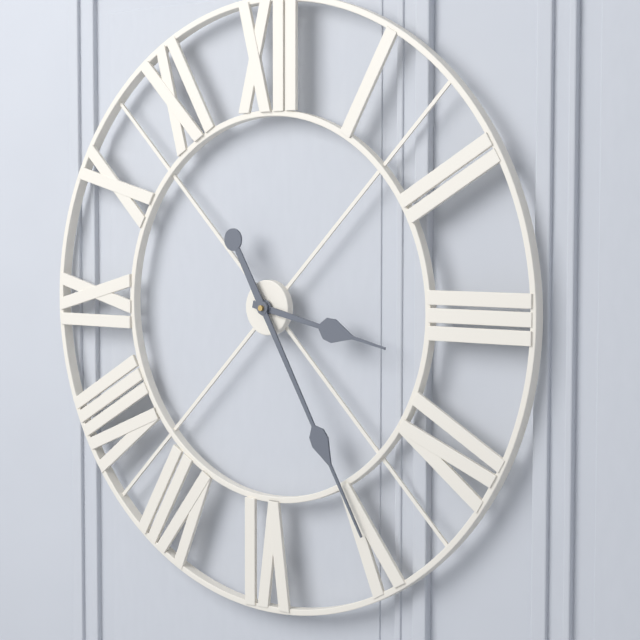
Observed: 3 h 25 min
